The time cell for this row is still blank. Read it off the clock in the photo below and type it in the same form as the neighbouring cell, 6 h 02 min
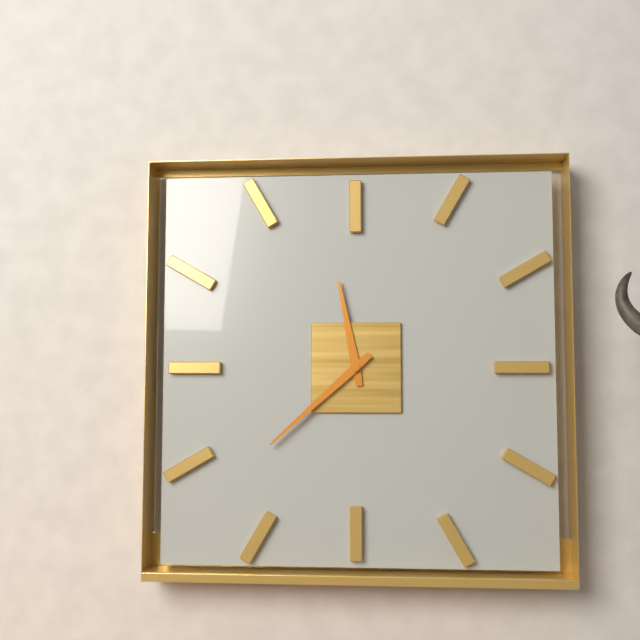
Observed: 11 h 38 min
